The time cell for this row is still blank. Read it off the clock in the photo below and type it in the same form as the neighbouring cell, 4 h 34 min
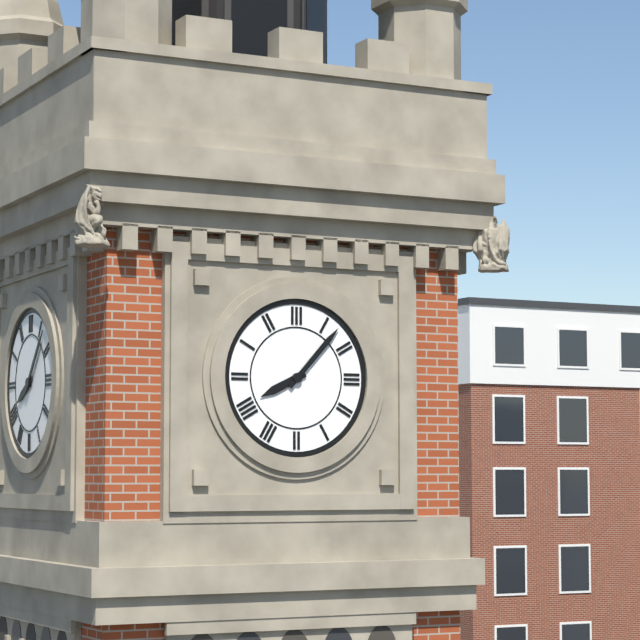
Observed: 8 h 07 min
